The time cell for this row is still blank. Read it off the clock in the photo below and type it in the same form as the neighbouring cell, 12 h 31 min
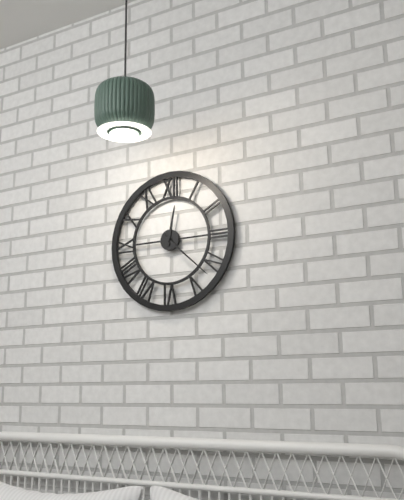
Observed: 12 h 22 min
